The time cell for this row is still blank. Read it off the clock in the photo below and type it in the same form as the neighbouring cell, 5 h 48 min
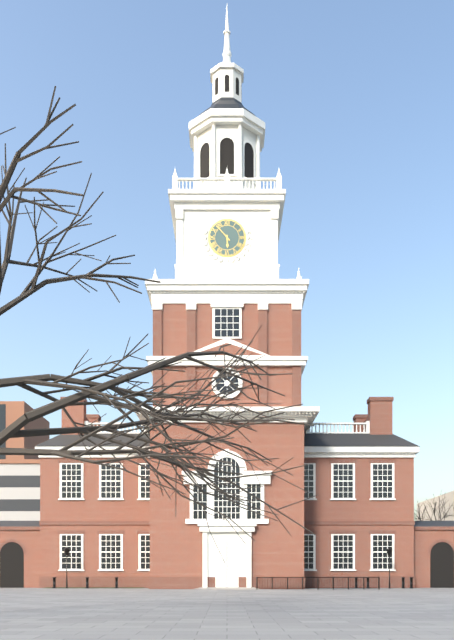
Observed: 5 h 53 min
